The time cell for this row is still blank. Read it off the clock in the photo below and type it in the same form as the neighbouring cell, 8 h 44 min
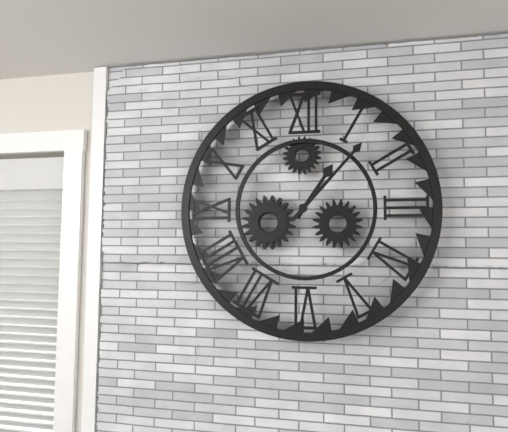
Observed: 1 h 07 min
